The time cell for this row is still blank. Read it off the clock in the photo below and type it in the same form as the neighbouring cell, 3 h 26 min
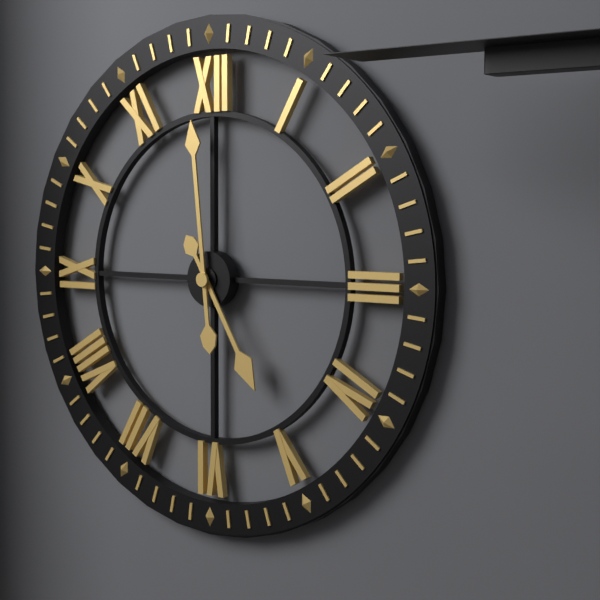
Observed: 4 h 59 min
